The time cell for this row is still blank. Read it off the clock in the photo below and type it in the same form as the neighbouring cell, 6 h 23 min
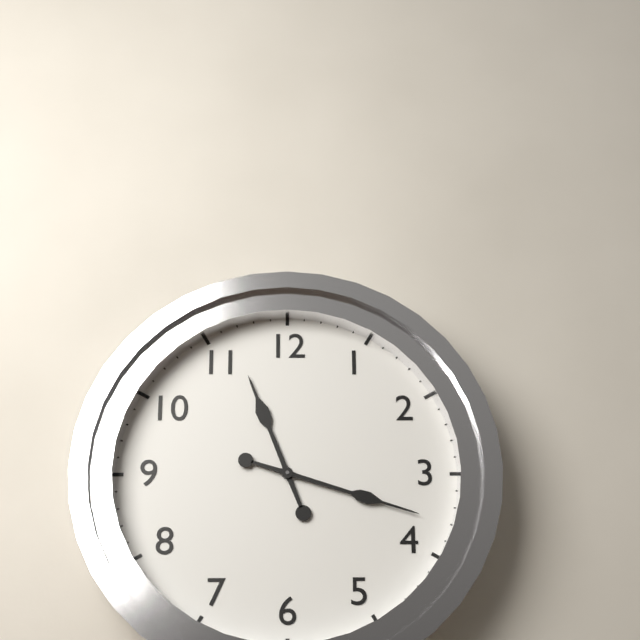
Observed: 11 h 18 min
